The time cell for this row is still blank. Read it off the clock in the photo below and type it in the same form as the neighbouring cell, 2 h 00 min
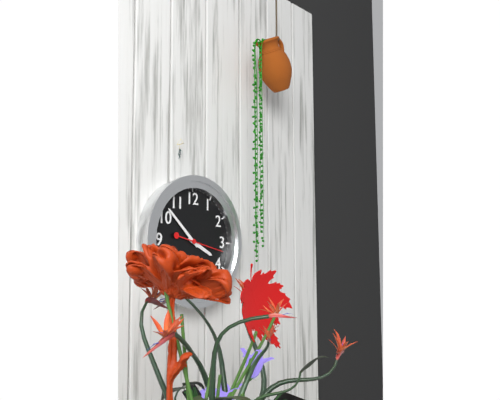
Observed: 3 h 52 min
